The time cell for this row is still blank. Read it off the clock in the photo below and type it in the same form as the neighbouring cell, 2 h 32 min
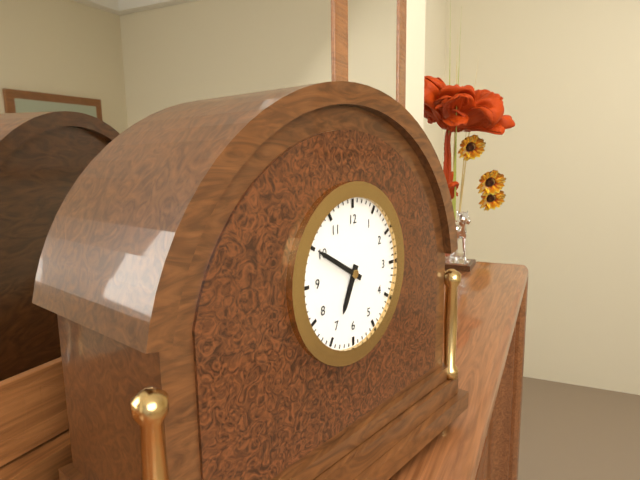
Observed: 6 h 50 min
